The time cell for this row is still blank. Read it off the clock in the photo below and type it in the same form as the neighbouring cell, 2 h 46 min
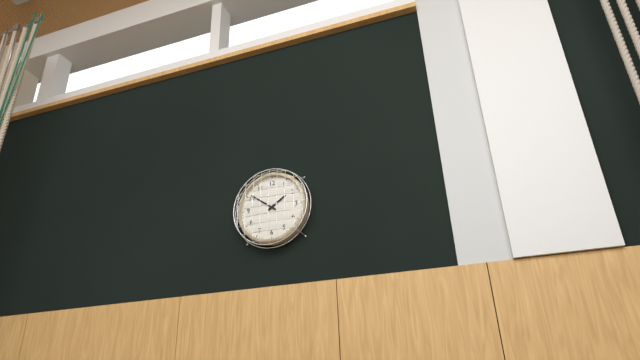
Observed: 1 h 51 min
